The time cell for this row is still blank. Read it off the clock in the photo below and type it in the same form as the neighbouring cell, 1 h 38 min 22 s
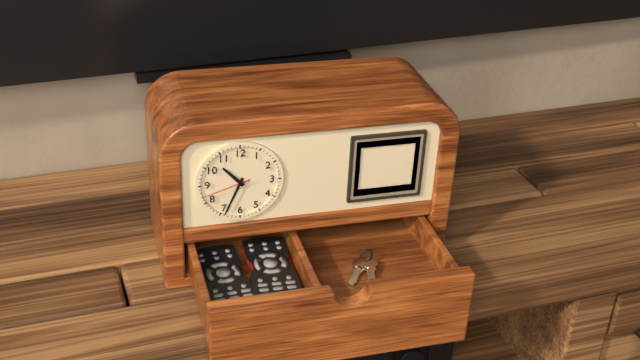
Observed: 10 h 34 min 42 s
